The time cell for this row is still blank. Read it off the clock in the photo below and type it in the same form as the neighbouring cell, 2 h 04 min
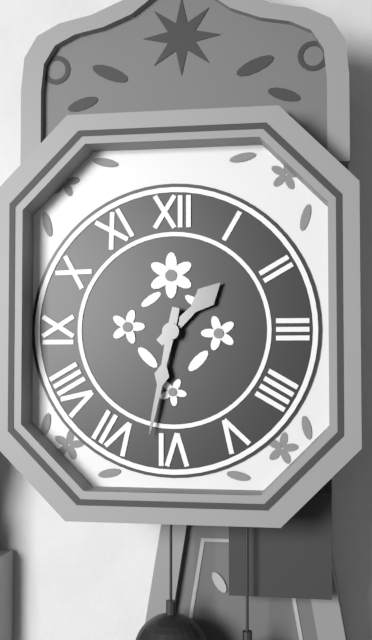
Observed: 1 h 32 min
